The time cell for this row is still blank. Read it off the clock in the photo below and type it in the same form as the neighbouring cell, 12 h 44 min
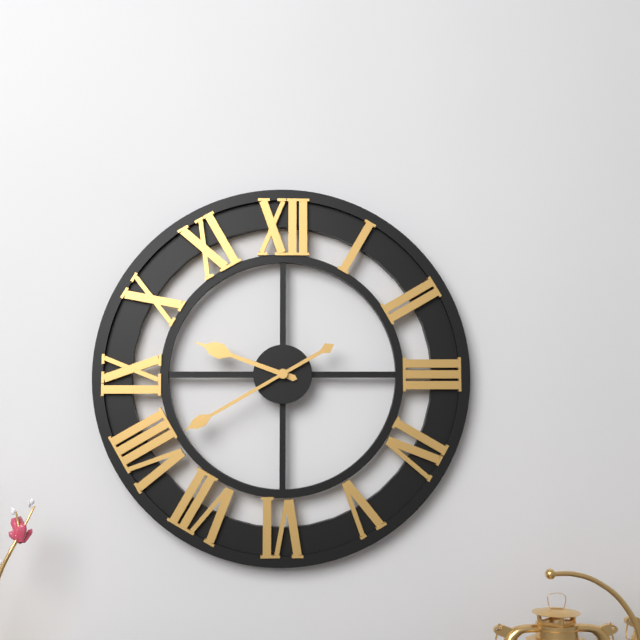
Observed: 9 h 40 min
